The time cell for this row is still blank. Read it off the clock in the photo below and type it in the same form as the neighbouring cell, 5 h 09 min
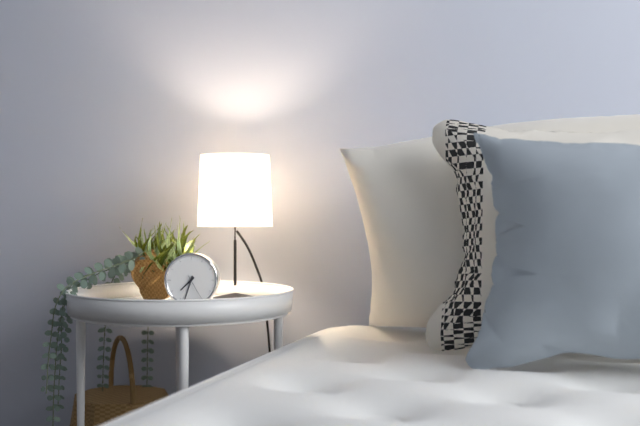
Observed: 7 h 33 min
